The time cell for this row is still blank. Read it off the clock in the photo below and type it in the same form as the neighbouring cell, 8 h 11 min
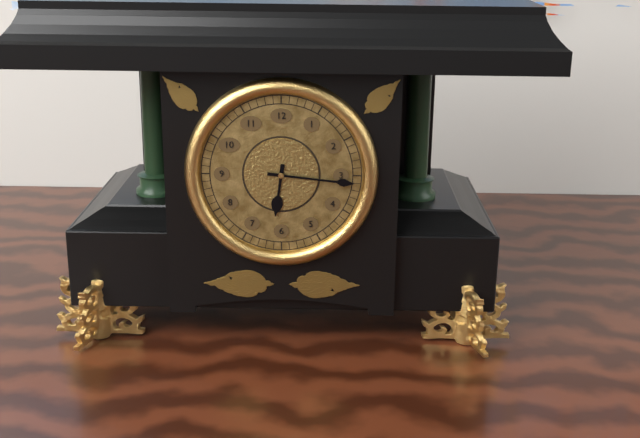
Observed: 6 h 16 min
